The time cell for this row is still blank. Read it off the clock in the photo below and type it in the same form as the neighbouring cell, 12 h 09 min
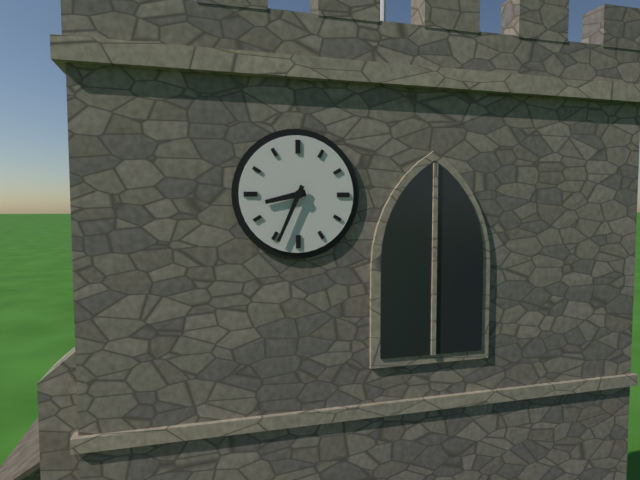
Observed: 8 h 34 min
